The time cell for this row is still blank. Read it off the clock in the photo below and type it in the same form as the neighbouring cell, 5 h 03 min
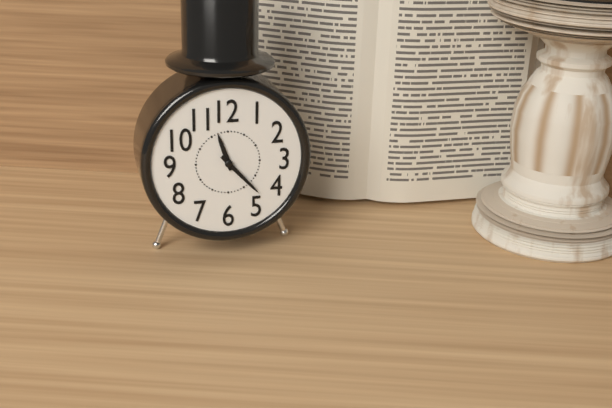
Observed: 11 h 23 min
